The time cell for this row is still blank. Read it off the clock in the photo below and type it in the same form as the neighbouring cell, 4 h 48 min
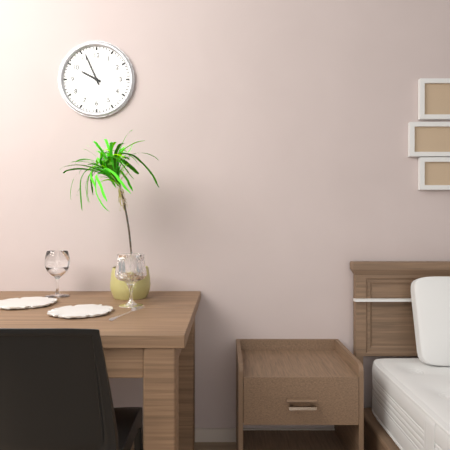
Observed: 9 h 56 min
